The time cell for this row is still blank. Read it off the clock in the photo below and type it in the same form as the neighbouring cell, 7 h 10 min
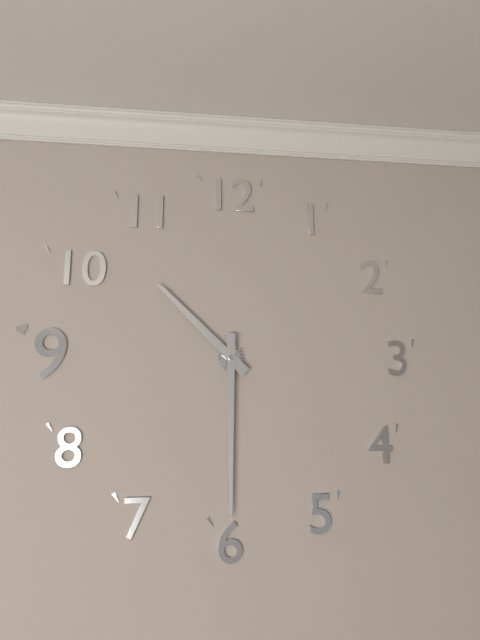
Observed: 10 h 30 min
